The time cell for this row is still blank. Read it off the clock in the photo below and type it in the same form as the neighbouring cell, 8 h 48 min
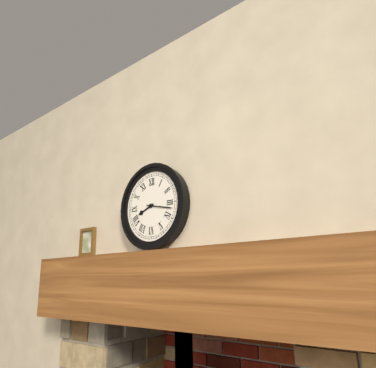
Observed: 8 h 17 min
